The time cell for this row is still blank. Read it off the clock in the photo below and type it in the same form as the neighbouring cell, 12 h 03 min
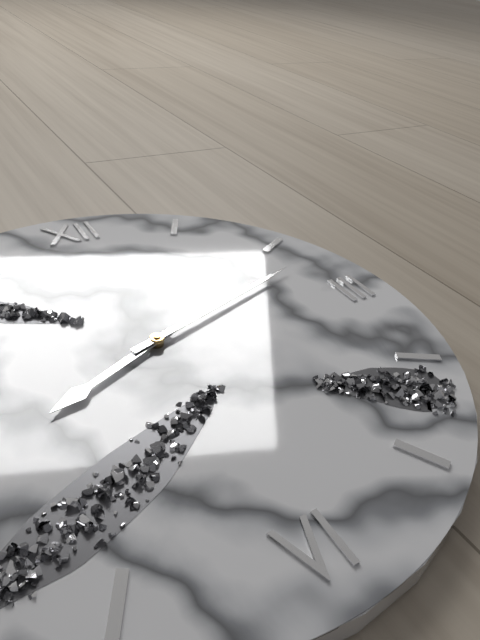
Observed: 8 h 12 min
